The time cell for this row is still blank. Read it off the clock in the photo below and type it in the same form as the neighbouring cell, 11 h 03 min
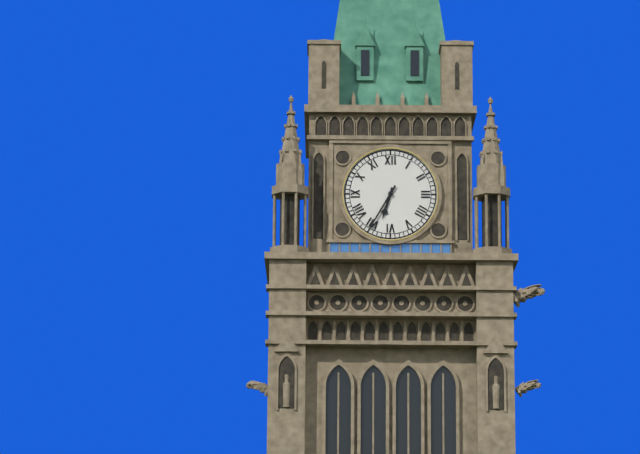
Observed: 6 h 35 min
